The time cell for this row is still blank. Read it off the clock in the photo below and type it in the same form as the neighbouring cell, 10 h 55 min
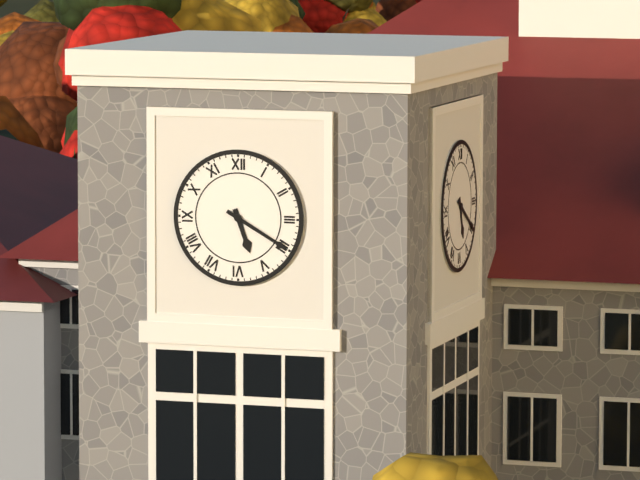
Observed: 5 h 20 min
